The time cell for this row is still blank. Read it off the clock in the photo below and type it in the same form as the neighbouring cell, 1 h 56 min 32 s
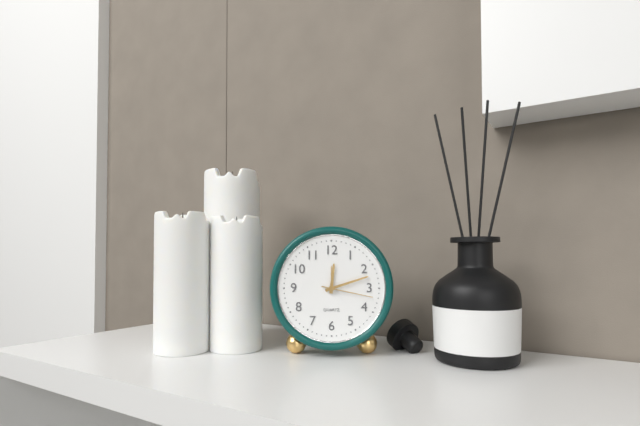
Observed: 12 h 12 min 17 s
